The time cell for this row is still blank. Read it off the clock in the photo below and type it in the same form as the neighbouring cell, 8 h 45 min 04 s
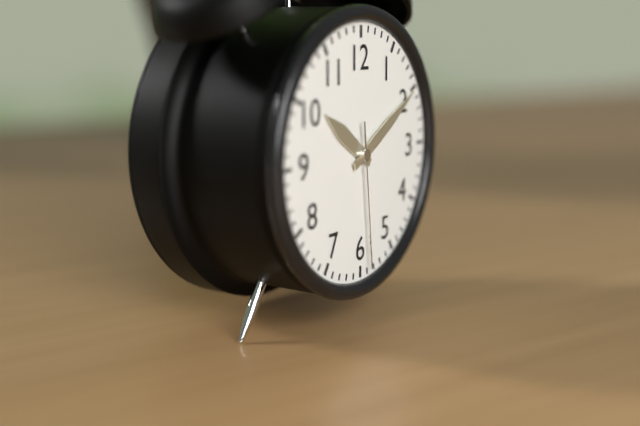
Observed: 10 h 10 min 29 s
